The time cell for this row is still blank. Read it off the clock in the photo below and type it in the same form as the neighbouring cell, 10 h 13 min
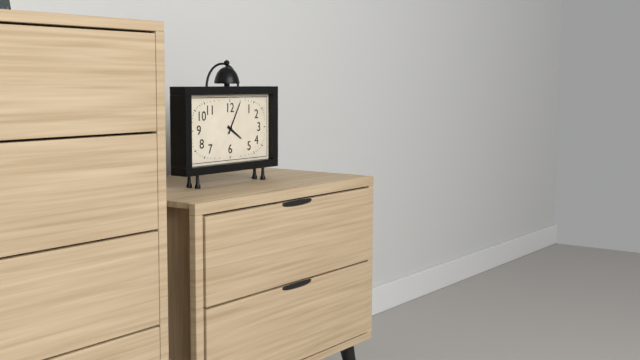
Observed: 4 h 05 min
